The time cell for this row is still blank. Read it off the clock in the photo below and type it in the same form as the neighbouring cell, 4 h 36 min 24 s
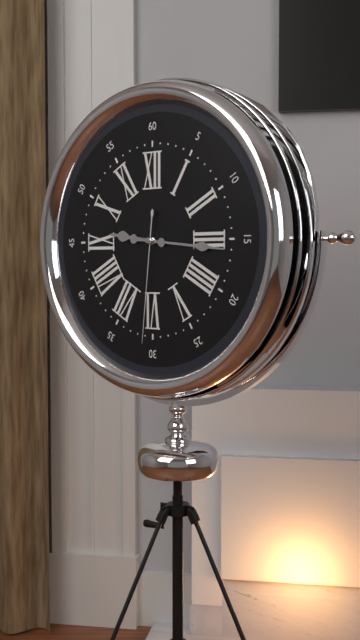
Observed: 9 h 16 min 31 s
